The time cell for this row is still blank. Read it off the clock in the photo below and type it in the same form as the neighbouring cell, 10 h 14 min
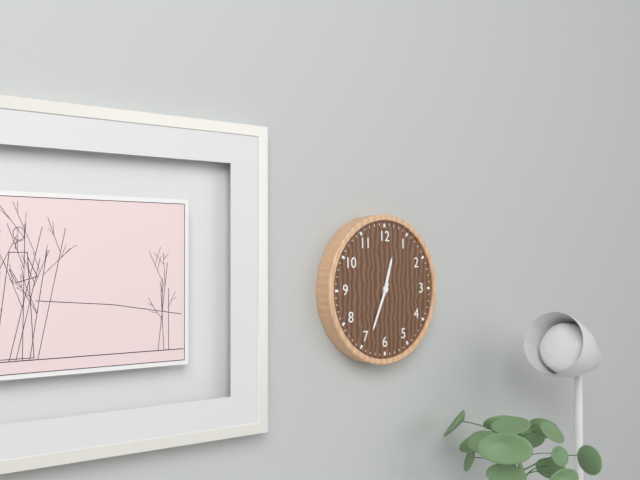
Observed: 12 h 34 min
